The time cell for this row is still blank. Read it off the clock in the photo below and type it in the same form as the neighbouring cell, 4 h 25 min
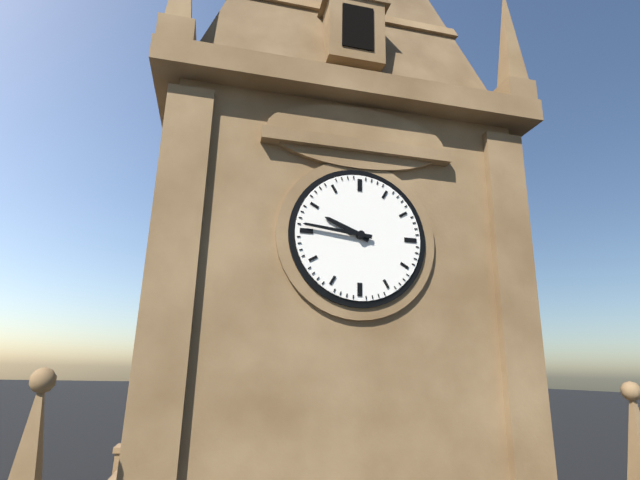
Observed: 9 h 46 min
